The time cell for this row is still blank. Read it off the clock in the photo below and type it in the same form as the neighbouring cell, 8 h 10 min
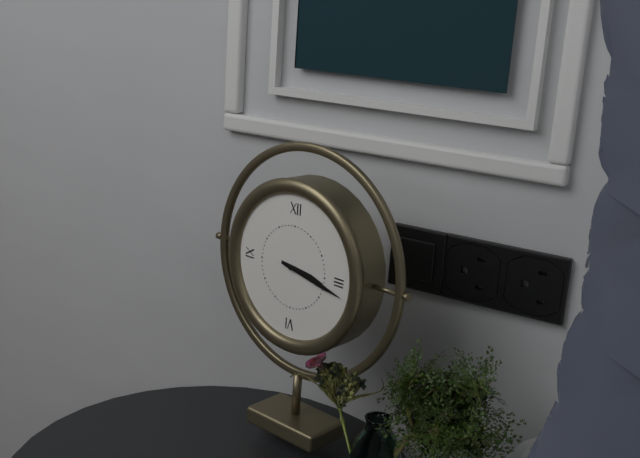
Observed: 3 h 17 min
